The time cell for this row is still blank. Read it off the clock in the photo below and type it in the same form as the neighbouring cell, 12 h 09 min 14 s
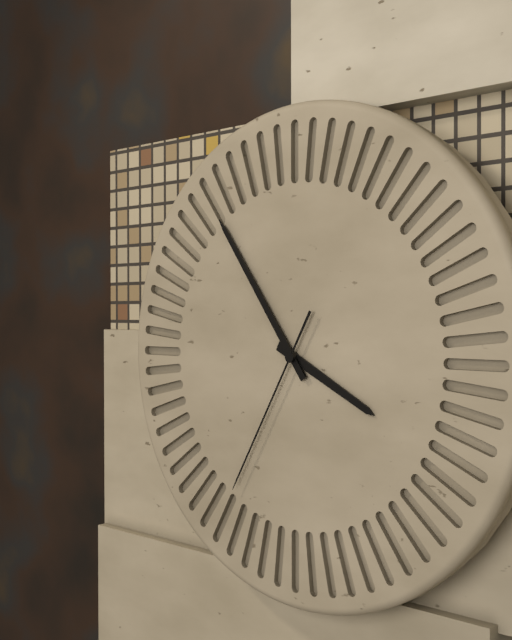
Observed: 3 h 54 min 35 s
